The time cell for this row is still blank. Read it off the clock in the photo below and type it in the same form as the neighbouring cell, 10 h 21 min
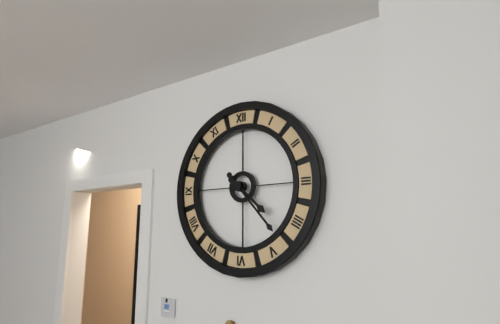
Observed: 4 h 23 min
